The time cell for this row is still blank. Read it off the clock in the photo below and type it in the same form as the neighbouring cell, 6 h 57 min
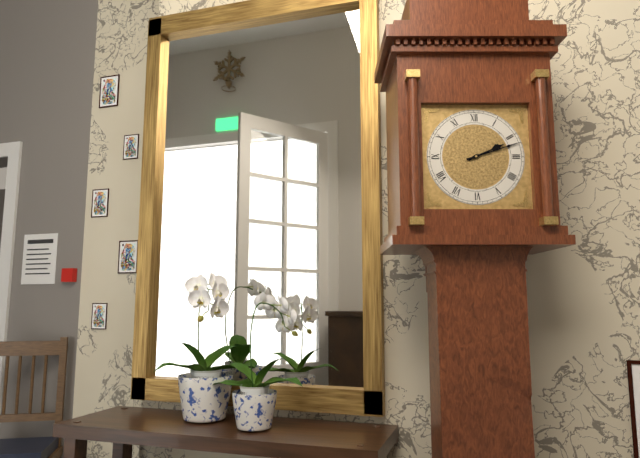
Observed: 2 h 12 min
